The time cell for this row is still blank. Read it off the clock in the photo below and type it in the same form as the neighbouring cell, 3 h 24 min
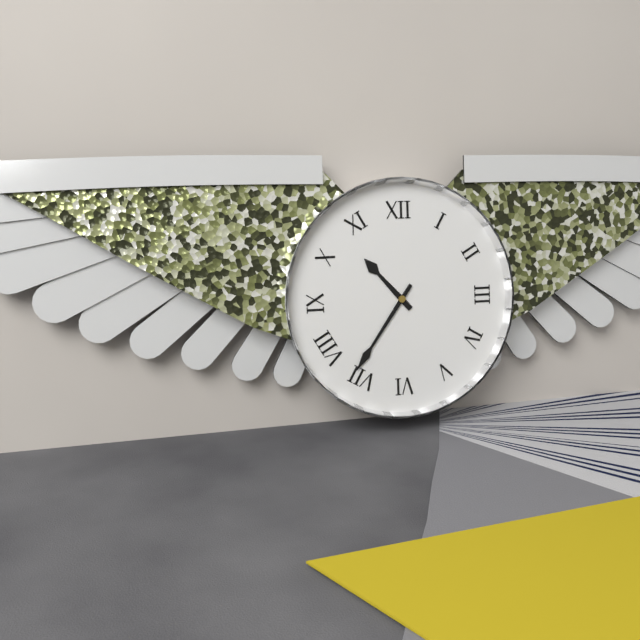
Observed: 10 h 36 min
